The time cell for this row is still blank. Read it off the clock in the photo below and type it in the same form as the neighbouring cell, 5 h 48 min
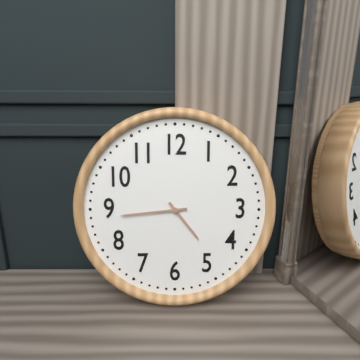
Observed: 4 h 44 min
